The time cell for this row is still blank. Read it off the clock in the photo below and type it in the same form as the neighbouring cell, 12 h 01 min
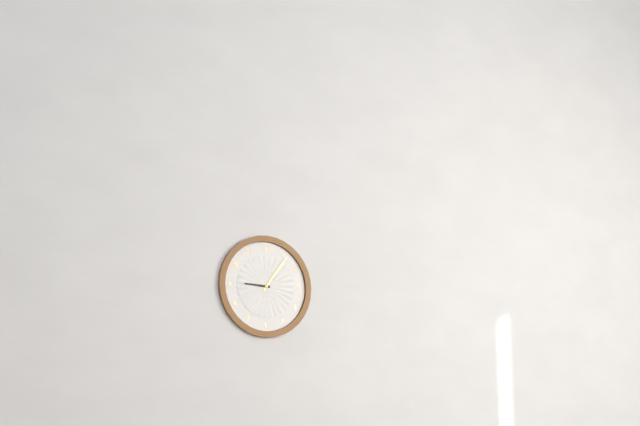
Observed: 9 h 06 min
